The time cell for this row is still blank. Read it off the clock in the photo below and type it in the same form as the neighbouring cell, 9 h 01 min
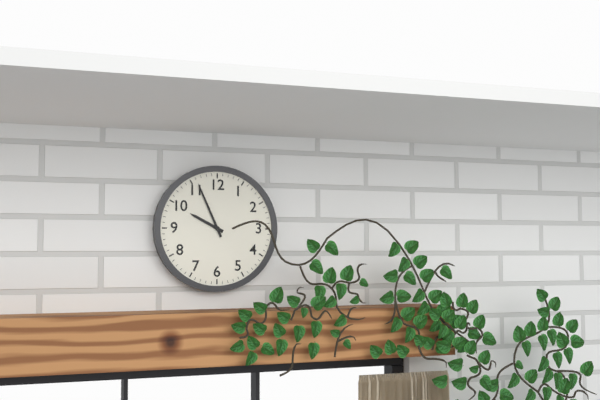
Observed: 9 h 56 min
